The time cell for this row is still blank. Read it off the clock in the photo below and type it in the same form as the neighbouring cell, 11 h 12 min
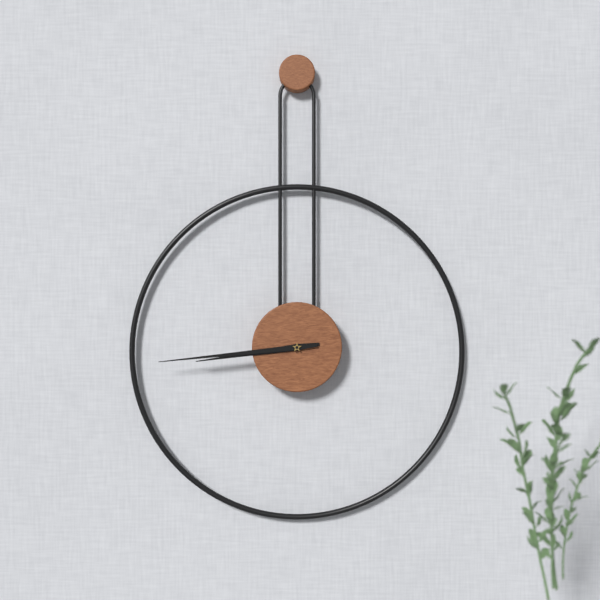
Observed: 8 h 44 min
